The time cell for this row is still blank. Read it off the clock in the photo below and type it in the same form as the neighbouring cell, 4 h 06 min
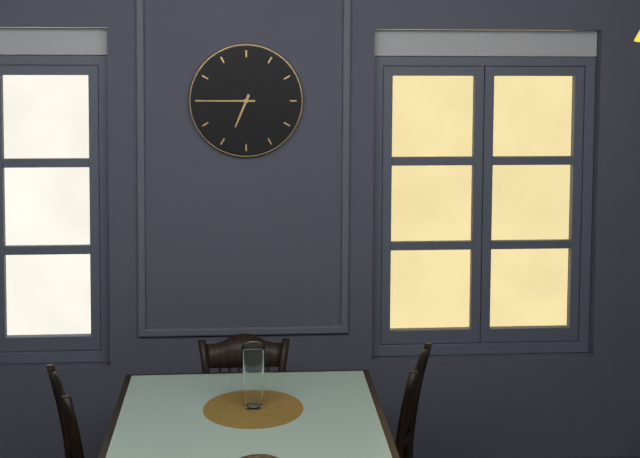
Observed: 6 h 45 min
